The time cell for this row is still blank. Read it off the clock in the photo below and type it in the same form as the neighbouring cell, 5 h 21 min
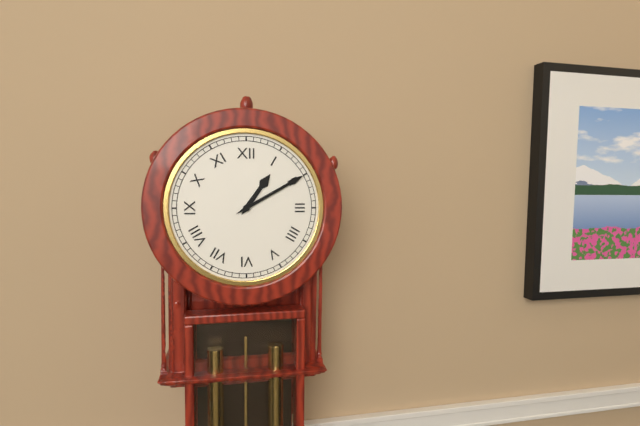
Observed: 1 h 10 min
